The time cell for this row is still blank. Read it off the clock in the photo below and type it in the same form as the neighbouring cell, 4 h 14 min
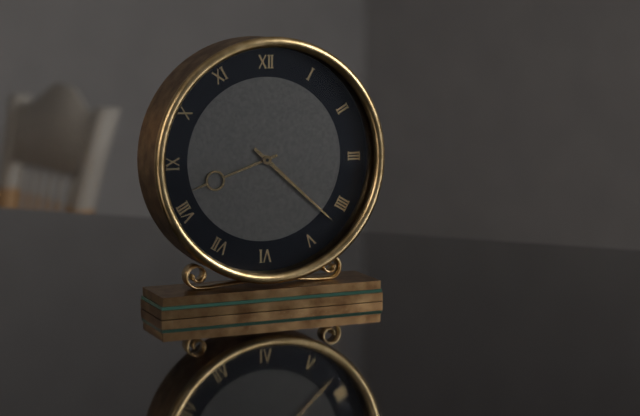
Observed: 8 h 22 min
